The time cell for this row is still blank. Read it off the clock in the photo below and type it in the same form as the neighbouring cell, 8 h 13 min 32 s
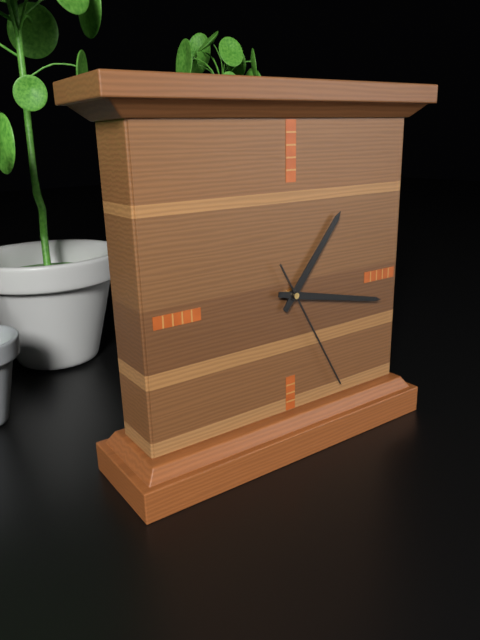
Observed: 1 h 17 min 25 s
